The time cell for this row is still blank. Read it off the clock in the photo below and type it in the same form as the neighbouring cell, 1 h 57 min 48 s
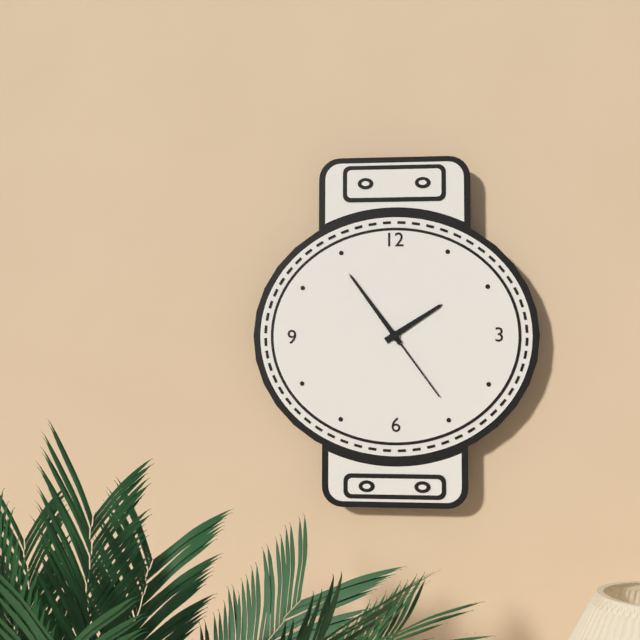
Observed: 1 h 54 min 24 s
